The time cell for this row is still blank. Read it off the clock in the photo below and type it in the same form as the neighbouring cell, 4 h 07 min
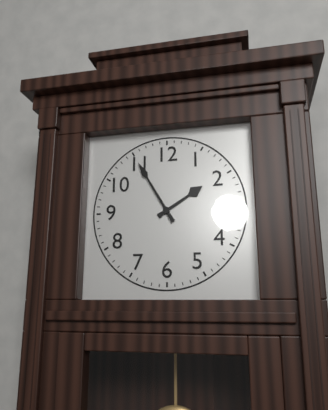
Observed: 1 h 55 min
